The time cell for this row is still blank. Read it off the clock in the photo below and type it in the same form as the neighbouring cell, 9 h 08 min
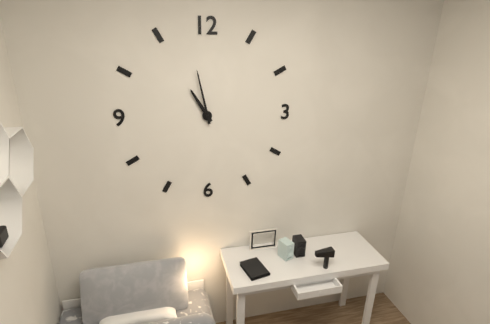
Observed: 10 h 58 min
